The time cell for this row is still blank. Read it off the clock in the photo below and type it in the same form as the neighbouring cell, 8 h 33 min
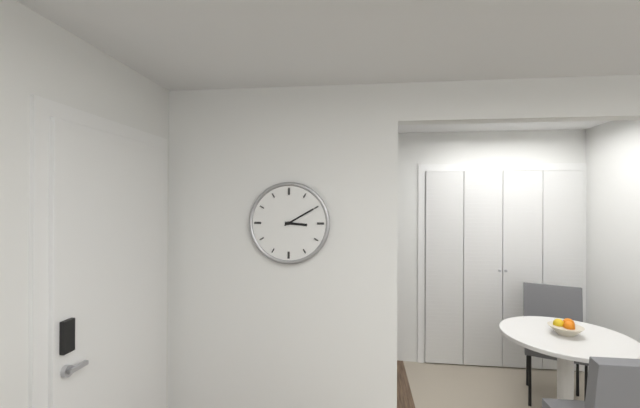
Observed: 3 h 10 min
